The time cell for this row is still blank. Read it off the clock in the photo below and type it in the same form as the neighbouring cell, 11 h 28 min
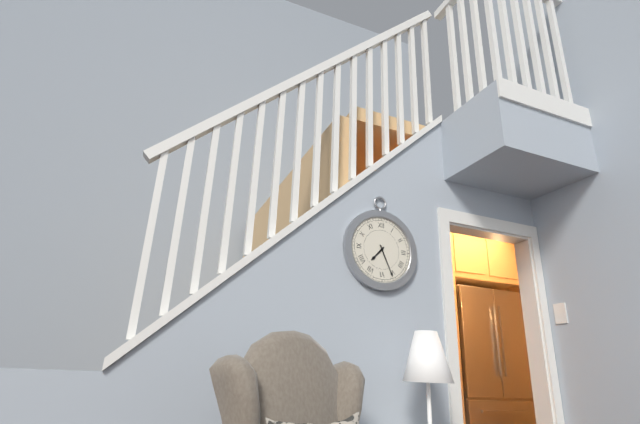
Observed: 7 h 26 min
